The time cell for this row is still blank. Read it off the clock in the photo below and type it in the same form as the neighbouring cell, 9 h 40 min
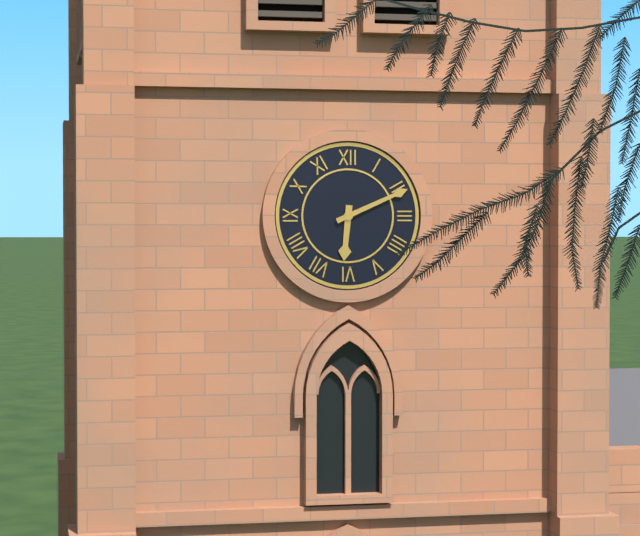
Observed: 6 h 11 min
